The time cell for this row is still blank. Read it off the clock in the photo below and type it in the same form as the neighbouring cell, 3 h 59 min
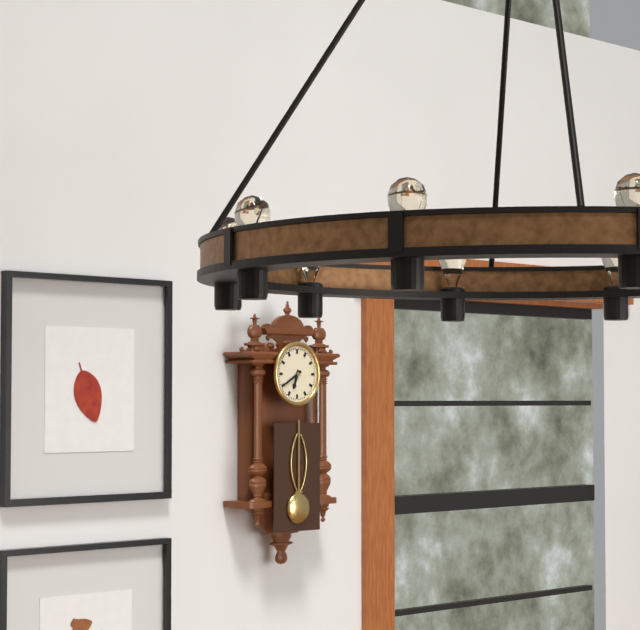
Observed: 6 h 40 min
